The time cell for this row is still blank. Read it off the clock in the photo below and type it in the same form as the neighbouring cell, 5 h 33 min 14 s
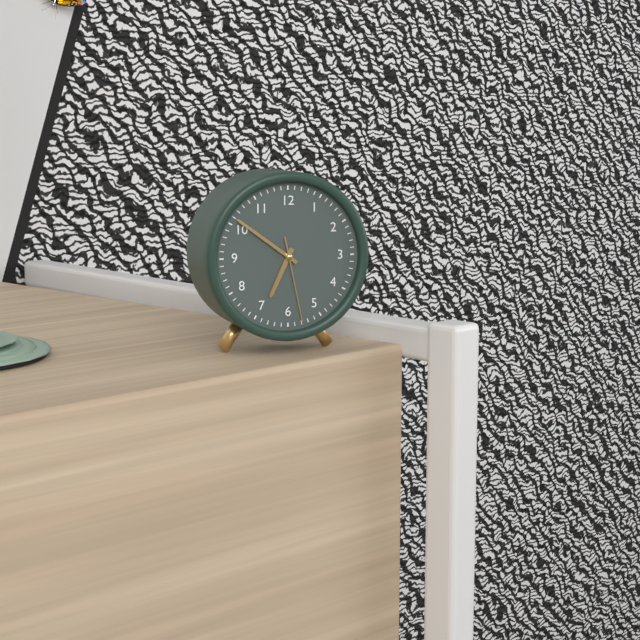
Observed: 6 h 51 min 28 s
